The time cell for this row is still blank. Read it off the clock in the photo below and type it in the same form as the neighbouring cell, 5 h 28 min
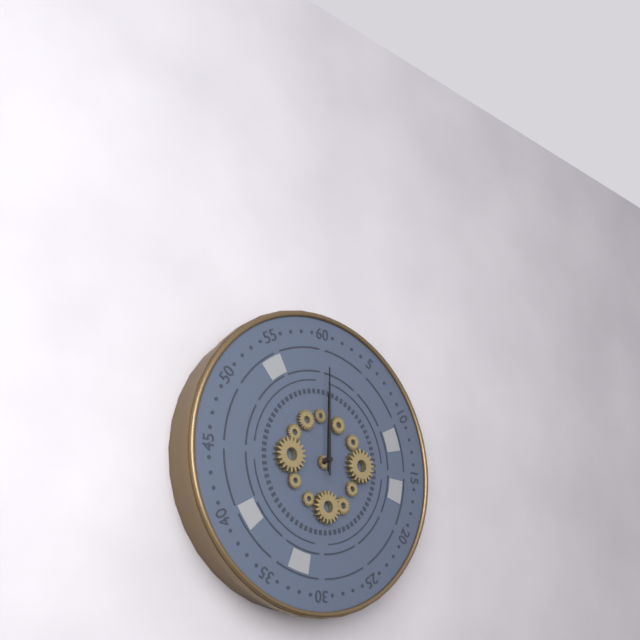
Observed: 12 h 00 min
